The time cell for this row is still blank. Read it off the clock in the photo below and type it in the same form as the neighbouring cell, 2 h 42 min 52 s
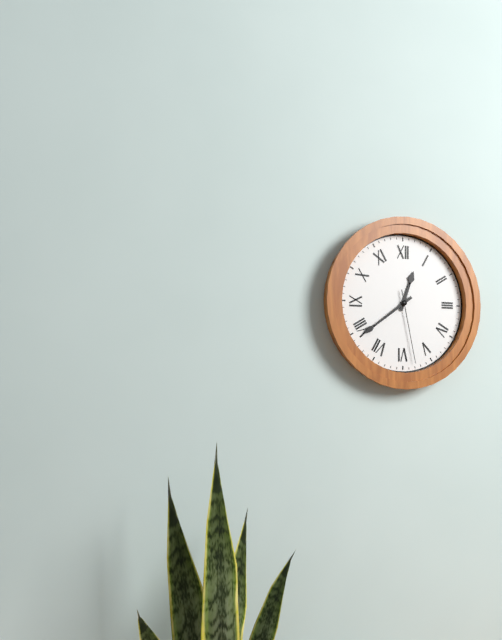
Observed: 12 h 39 min 28 s
